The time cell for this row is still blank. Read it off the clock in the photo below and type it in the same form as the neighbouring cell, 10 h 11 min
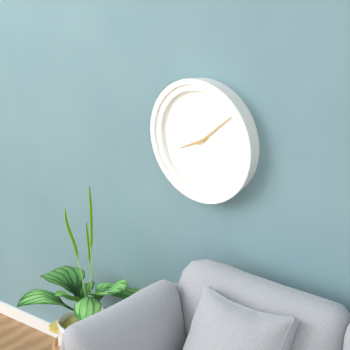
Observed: 8 h 08 min
